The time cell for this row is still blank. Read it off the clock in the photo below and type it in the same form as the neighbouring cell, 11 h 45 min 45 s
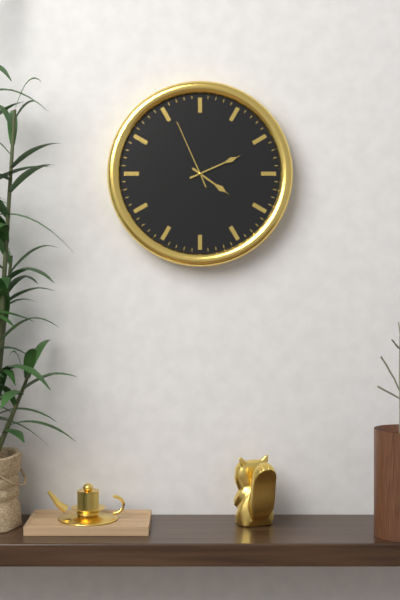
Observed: 4 h 11 min 56 s
